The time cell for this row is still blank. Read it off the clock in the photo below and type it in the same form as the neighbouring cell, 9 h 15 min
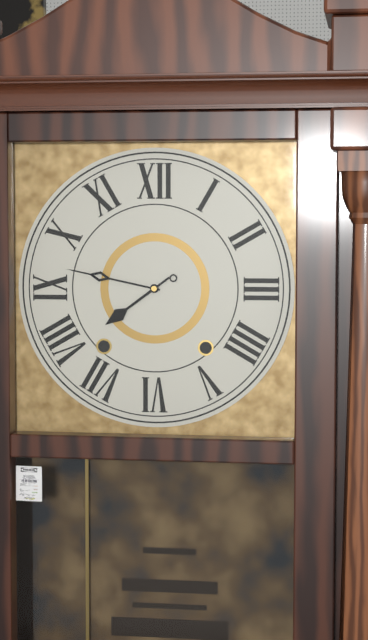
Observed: 7 h 47 min
